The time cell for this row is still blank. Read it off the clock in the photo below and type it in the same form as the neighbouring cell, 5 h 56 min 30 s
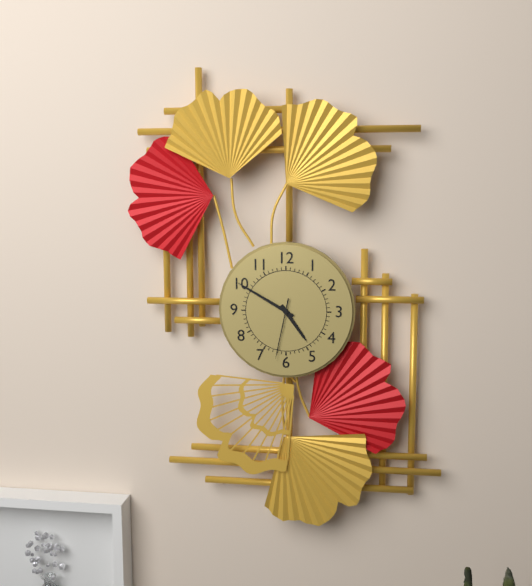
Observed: 4 h 50 min 32 s
